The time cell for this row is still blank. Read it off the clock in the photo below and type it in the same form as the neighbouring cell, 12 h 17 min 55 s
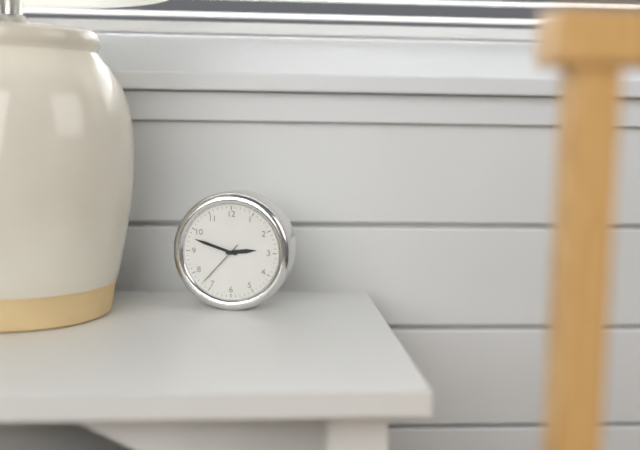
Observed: 2 h 48 min 37 s
